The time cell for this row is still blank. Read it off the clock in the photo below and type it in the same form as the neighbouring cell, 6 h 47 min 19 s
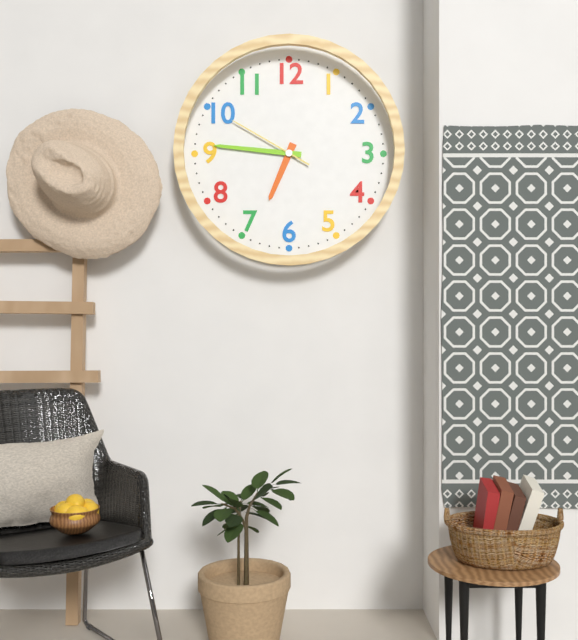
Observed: 6 h 46 min 50 s
